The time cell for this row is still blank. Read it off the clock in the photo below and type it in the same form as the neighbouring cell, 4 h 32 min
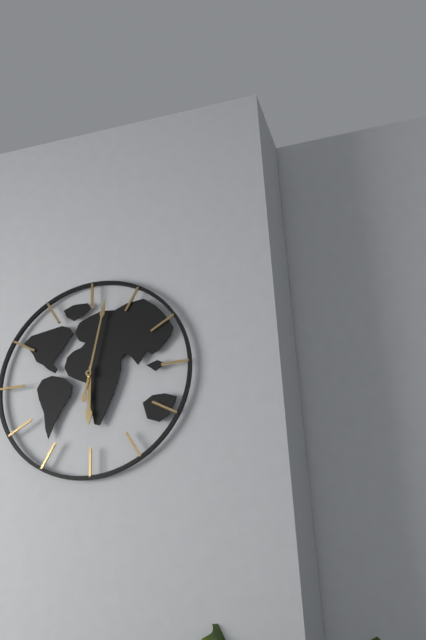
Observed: 6 h 02 min
